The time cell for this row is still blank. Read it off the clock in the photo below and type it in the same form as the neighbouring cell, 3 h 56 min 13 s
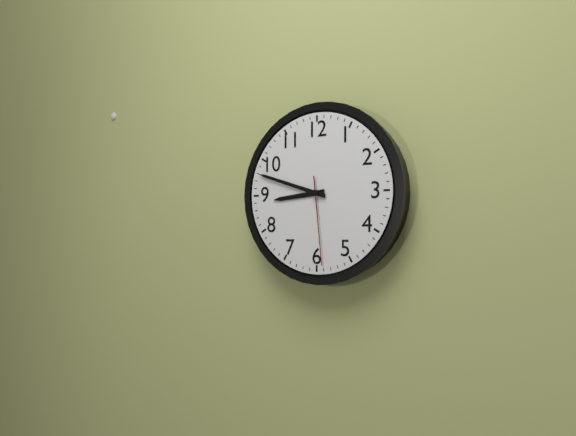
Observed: 8 h 48 min 29 s
